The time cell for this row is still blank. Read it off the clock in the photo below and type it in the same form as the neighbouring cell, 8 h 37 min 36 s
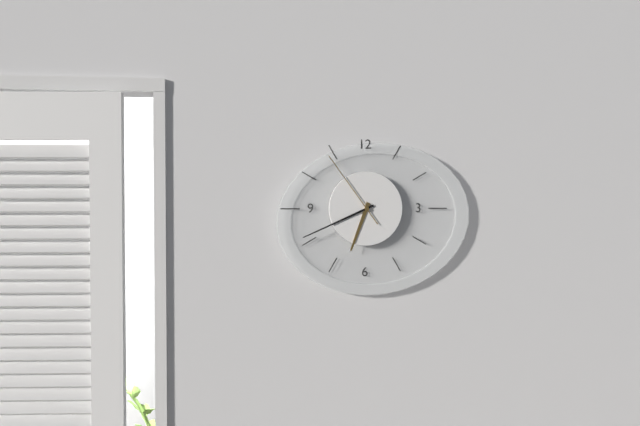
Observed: 6 h 41 min 54 s
